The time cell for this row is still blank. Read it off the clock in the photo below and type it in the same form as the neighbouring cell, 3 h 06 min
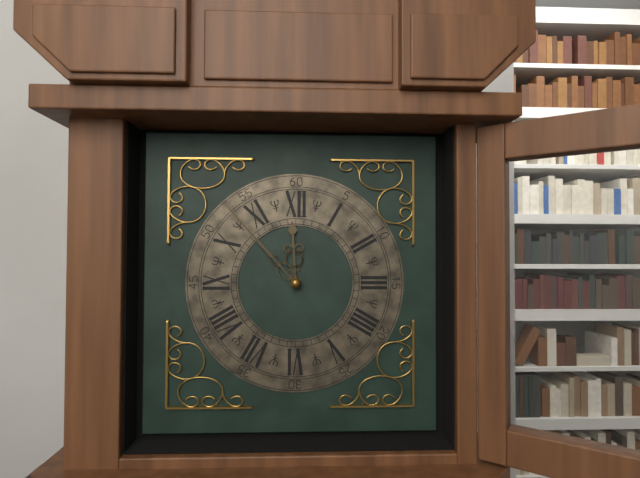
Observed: 11 h 53 min
